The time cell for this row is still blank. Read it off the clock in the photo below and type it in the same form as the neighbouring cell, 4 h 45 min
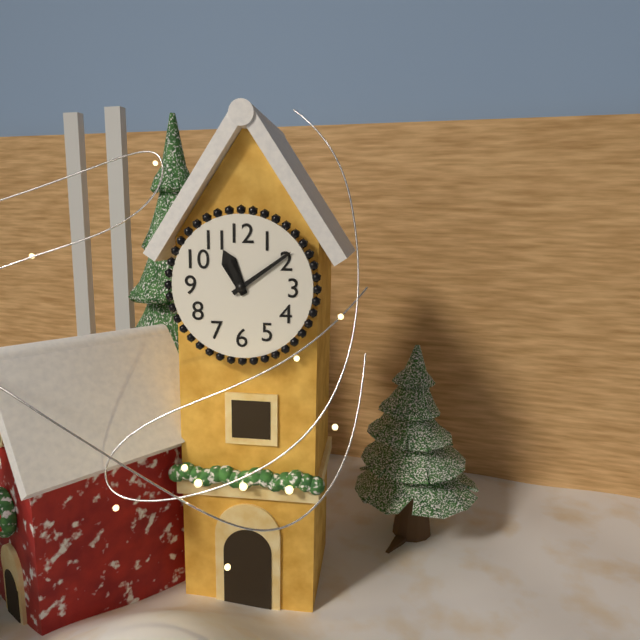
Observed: 11 h 09 min
